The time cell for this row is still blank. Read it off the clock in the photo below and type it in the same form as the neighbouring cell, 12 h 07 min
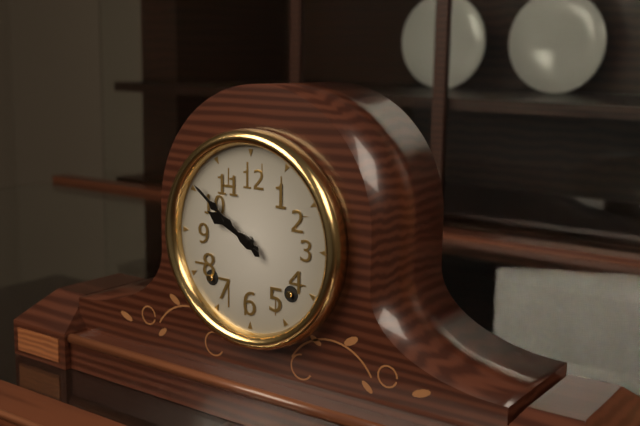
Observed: 9 h 51 min
